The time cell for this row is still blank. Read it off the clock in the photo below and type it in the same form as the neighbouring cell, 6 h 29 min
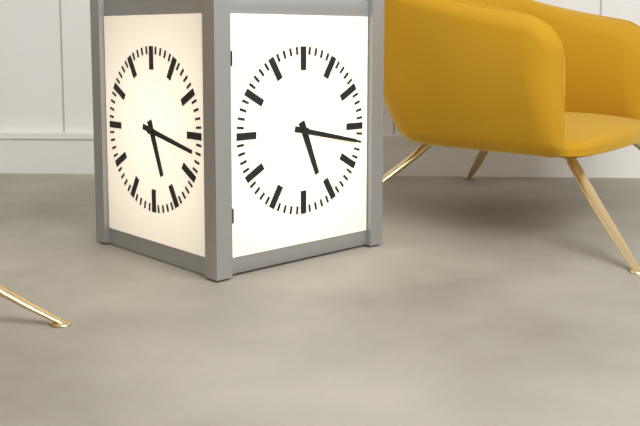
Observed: 5 h 17 min
